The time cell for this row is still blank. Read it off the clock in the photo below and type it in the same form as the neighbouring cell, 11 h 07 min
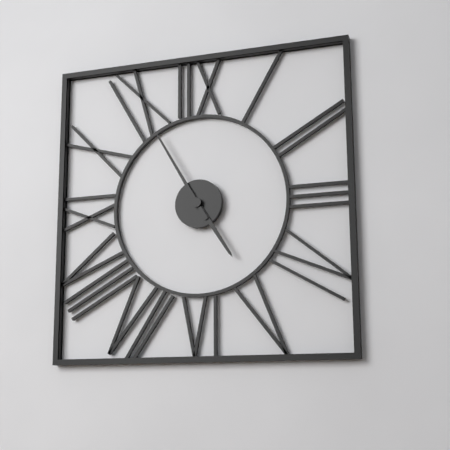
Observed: 4 h 55 min
